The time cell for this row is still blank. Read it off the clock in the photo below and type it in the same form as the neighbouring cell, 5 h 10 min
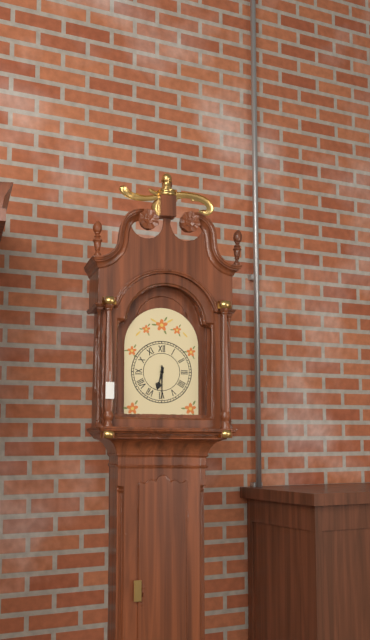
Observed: 6 h 30 min
